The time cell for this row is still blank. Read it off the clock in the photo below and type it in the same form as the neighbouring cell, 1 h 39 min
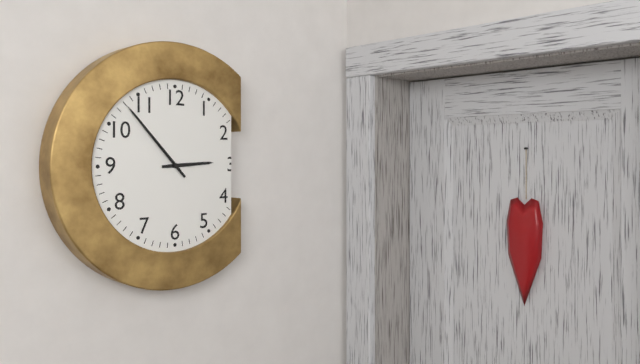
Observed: 2 h 53 min
